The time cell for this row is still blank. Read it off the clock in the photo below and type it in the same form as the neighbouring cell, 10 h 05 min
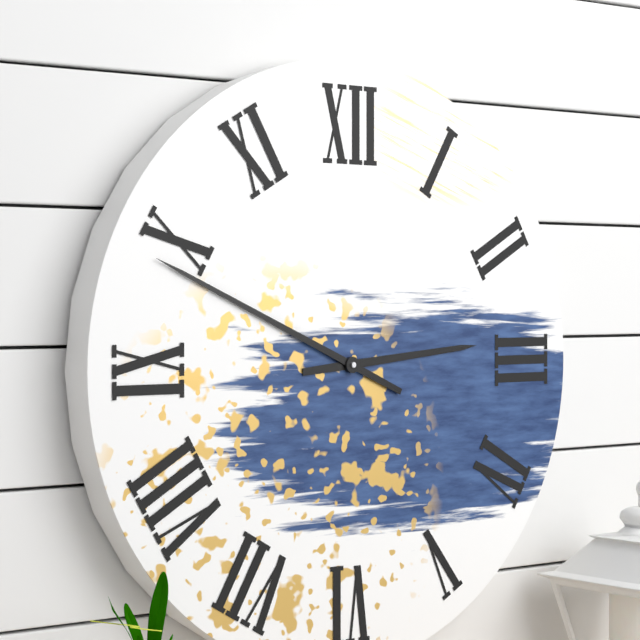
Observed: 2 h 49 min
